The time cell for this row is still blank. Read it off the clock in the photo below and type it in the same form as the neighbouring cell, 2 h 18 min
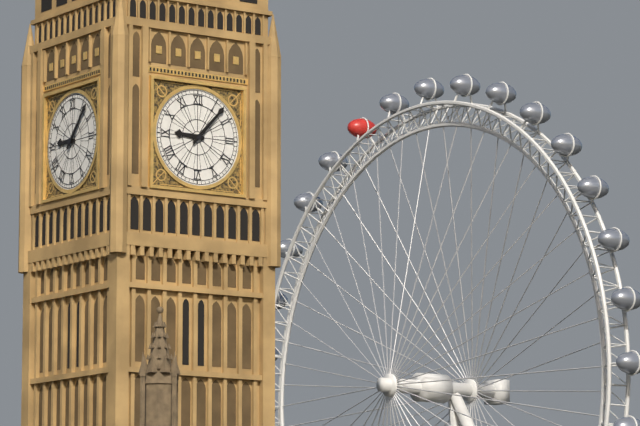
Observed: 9 h 07 min
